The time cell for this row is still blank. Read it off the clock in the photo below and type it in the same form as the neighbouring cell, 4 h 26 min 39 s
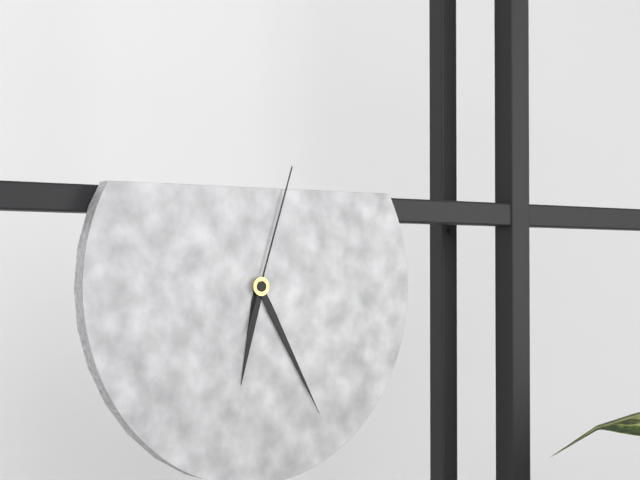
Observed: 6 h 25 min 03 s
